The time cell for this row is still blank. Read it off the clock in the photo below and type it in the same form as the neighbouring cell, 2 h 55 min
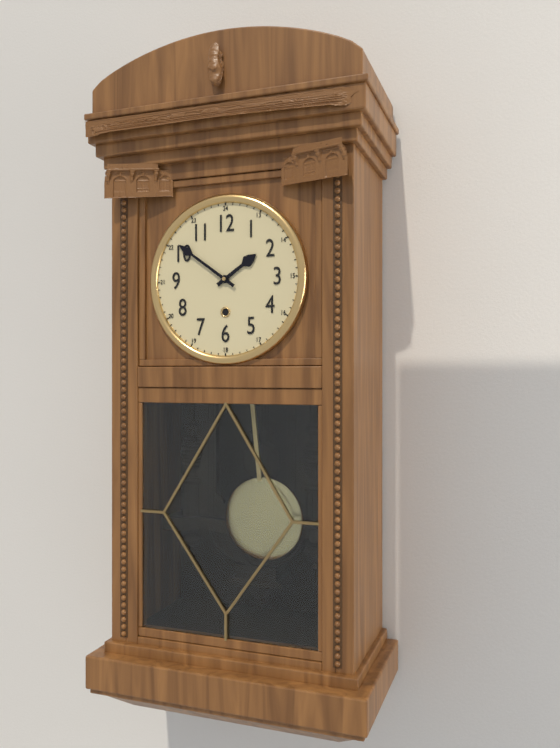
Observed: 1 h 51 min
